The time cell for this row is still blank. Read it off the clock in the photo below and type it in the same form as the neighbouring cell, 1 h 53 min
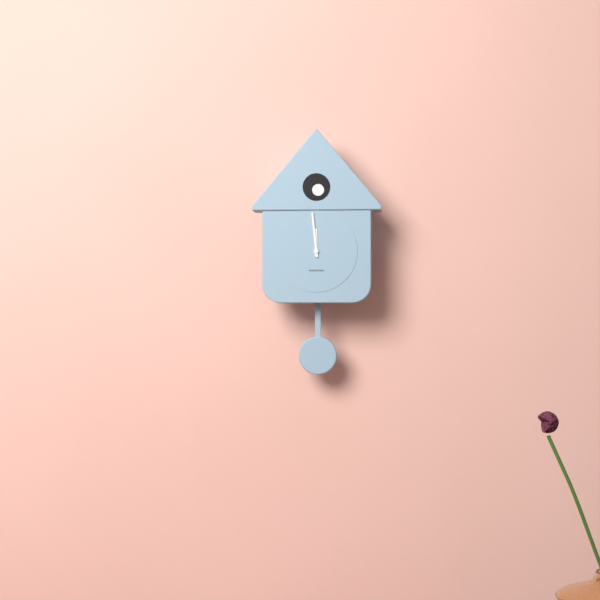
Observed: 11 h 59 min
